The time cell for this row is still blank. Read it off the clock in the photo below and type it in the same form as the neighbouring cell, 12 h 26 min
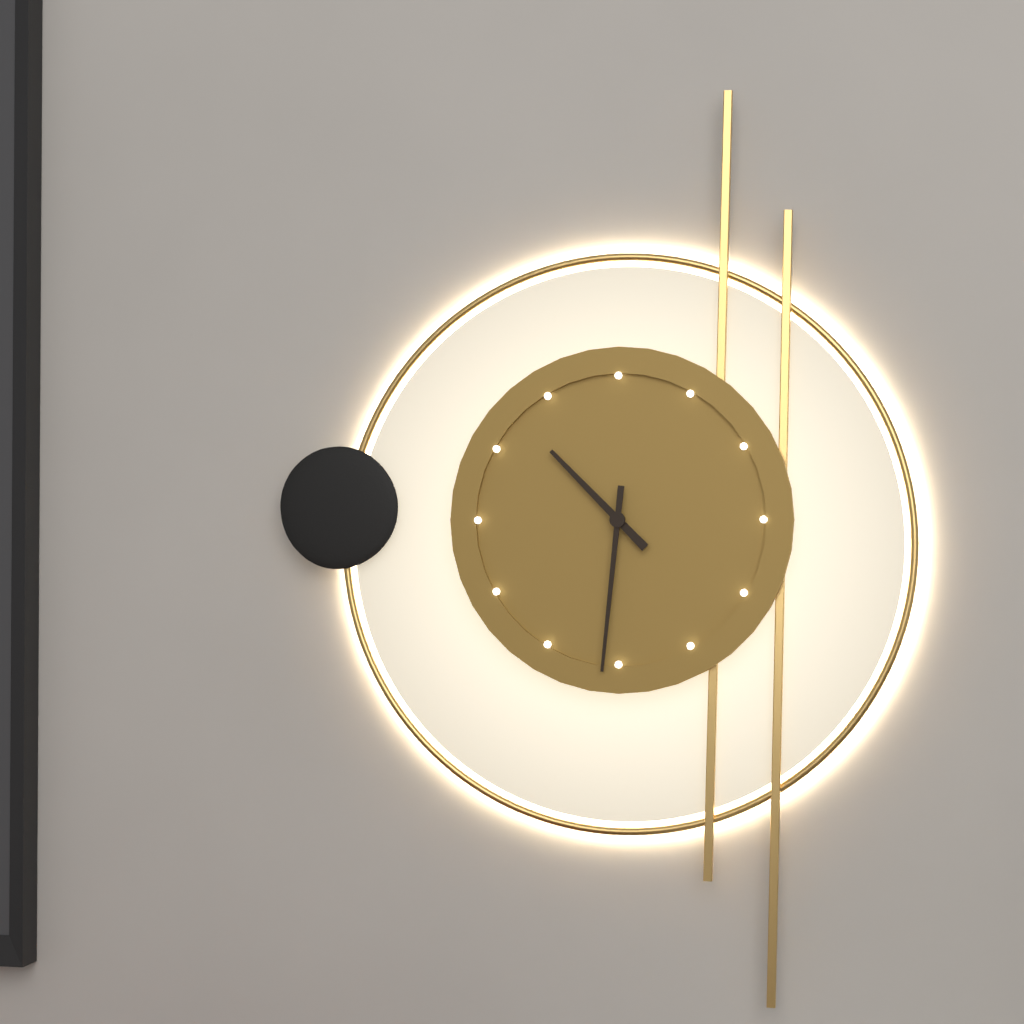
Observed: 10 h 31 min
